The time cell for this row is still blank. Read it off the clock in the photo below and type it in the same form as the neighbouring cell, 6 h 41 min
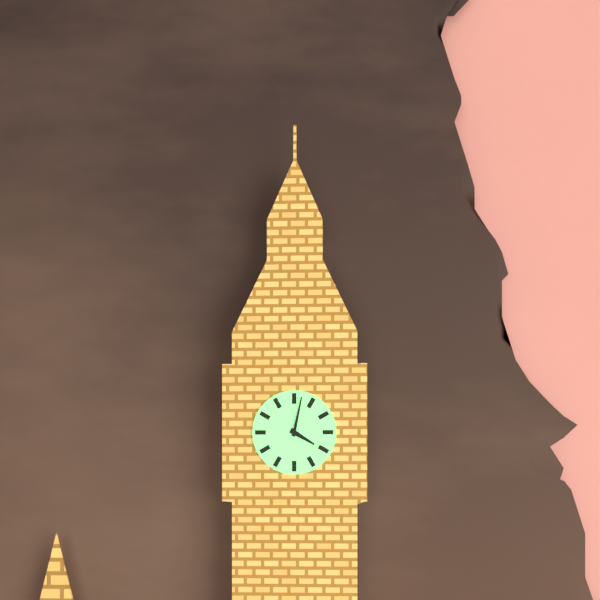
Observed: 4 h 02 min
